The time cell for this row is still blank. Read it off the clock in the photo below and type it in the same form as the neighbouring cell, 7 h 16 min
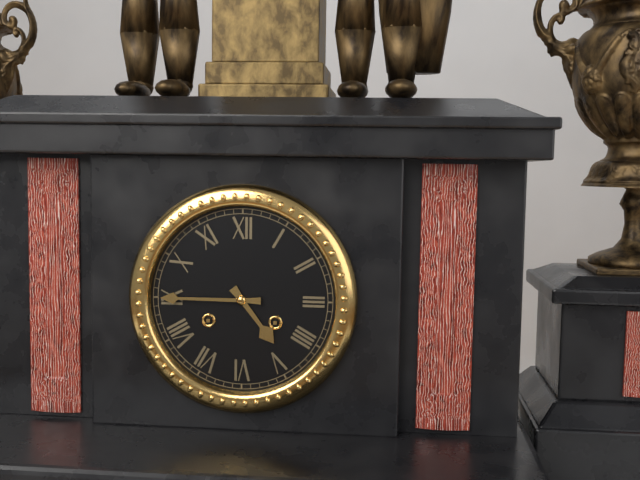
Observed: 4 h 45 min
